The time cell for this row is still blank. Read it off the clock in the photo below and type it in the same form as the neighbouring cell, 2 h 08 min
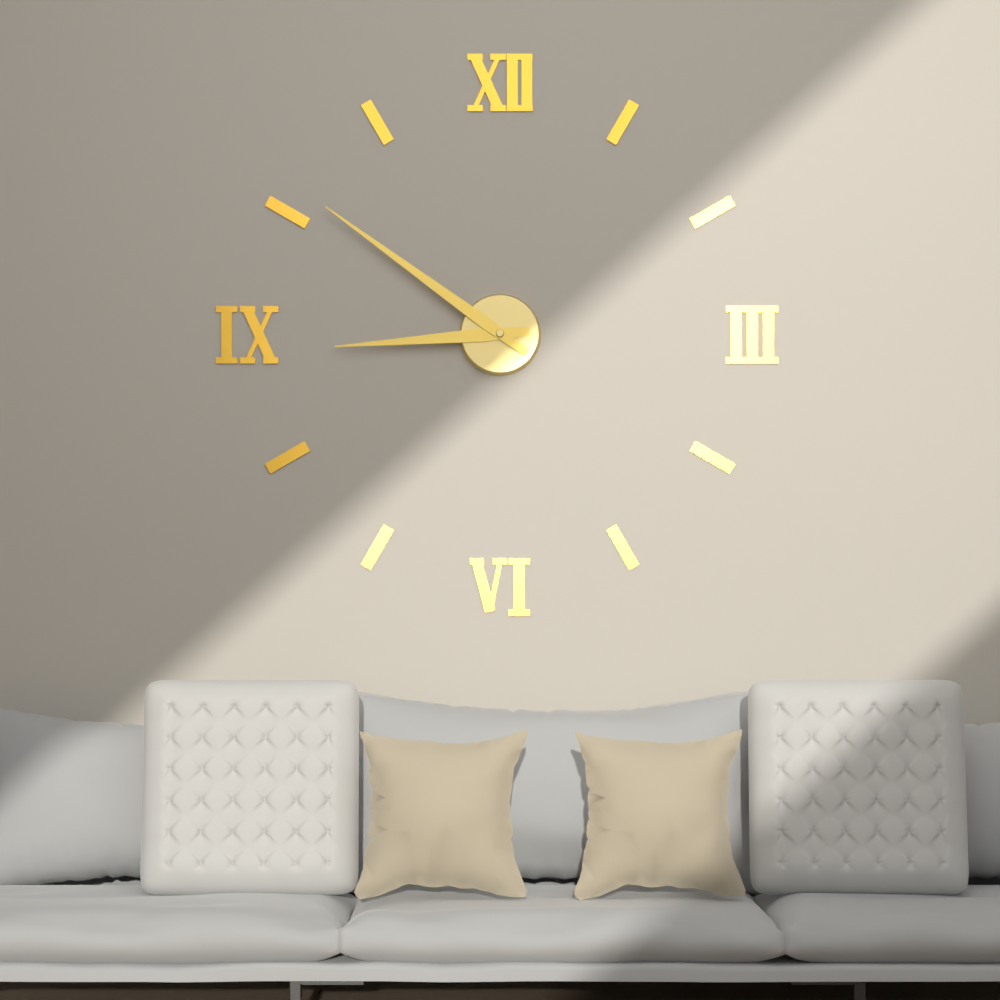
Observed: 8 h 51 min
